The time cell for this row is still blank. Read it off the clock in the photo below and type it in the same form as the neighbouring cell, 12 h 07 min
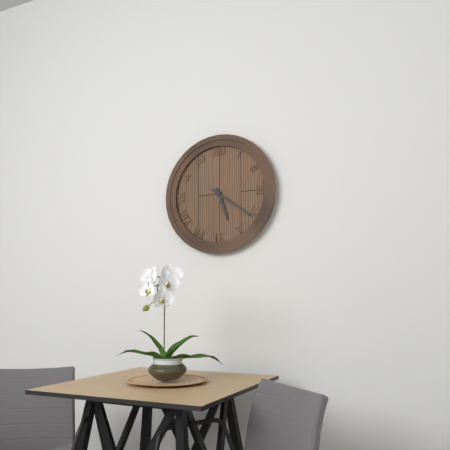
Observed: 5 h 21 min
